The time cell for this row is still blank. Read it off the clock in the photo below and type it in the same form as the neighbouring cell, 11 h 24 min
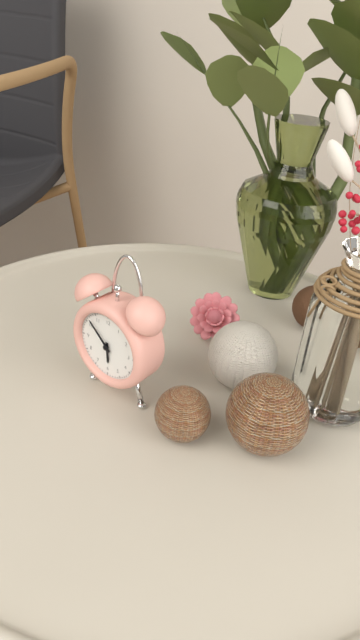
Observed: 5 h 52 min
